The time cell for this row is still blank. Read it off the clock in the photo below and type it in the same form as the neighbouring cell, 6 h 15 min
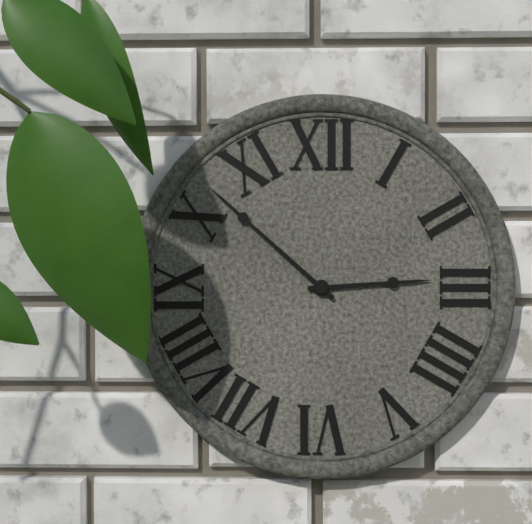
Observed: 2 h 52 min
